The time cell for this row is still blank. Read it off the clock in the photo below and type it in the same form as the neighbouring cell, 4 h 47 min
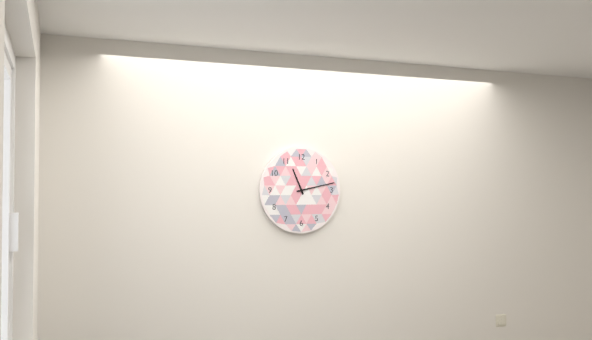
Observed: 11 h 13 min
